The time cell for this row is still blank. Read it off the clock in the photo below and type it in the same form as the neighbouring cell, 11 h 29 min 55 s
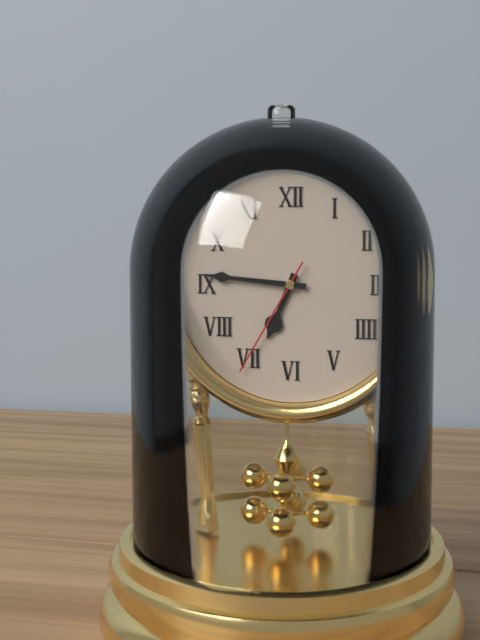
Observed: 6 h 46 min 35 s
